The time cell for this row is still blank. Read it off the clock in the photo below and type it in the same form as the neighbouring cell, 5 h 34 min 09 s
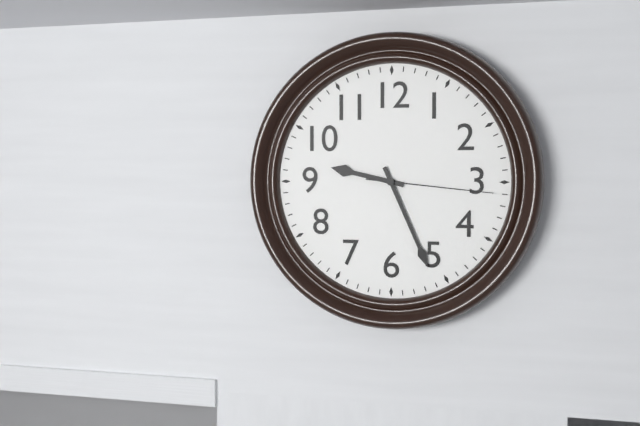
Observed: 9 h 26 min 16 s
